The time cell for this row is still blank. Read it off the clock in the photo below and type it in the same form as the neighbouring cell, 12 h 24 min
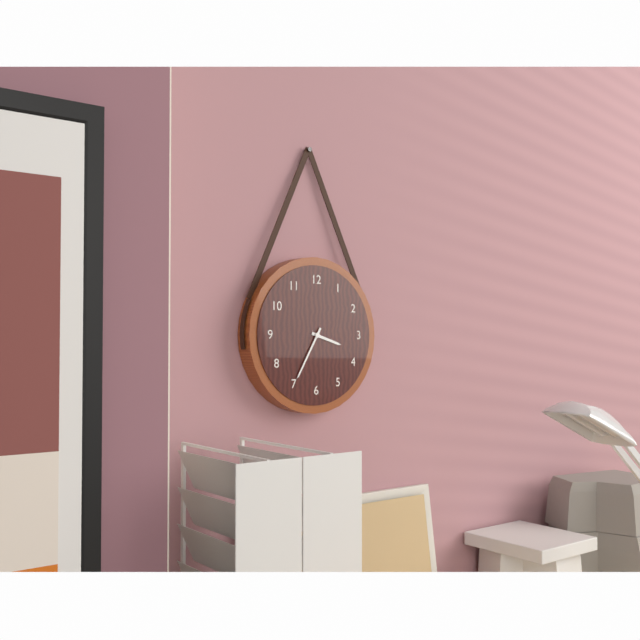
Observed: 3 h 35 min
